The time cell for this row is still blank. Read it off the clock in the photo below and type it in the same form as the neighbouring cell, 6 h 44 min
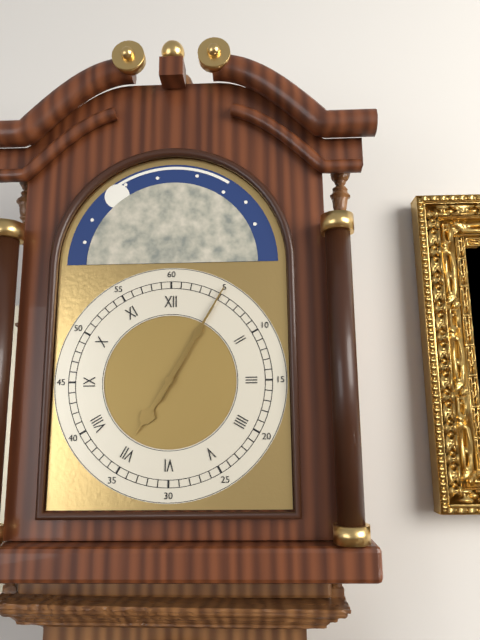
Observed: 7 h 05 min
